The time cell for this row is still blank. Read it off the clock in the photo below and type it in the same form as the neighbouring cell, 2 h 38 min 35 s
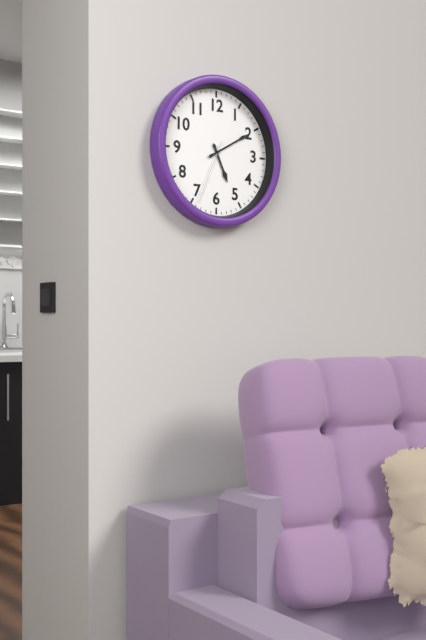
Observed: 5 h 10 min 34 s
